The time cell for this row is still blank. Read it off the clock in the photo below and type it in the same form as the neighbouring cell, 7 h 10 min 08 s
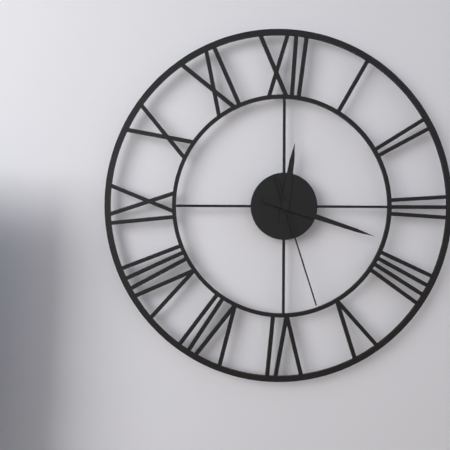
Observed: 12 h 18 min 27 s
